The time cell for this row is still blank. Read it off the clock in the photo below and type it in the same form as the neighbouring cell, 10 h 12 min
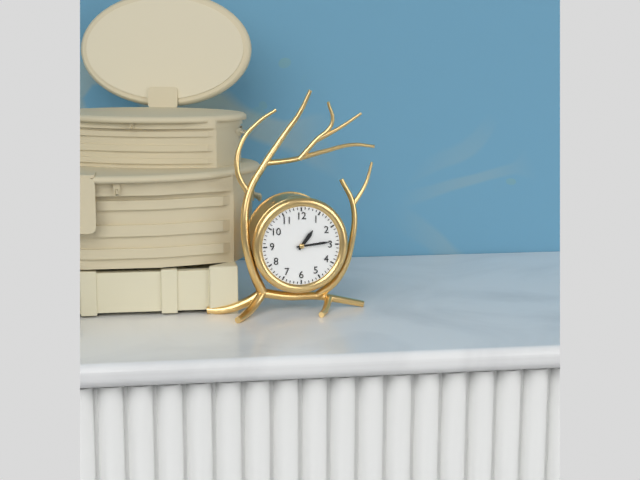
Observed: 1 h 14 min
